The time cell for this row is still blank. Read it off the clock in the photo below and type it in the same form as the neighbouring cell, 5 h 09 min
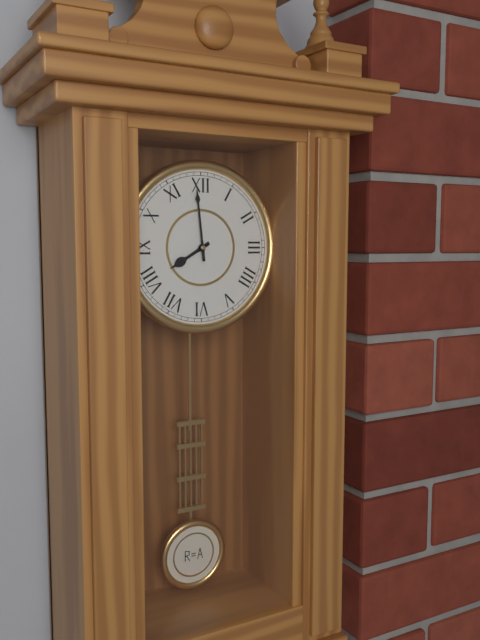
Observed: 7 h 59 min
